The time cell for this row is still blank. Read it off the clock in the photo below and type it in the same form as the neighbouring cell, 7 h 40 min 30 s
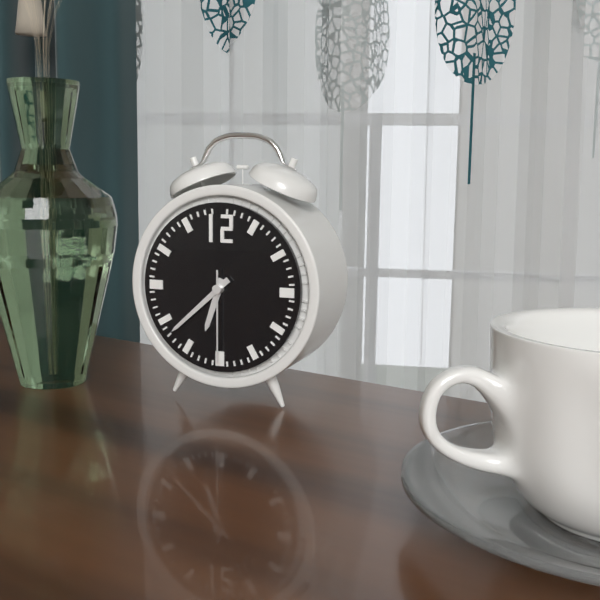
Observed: 6 h 38 min 30 s
